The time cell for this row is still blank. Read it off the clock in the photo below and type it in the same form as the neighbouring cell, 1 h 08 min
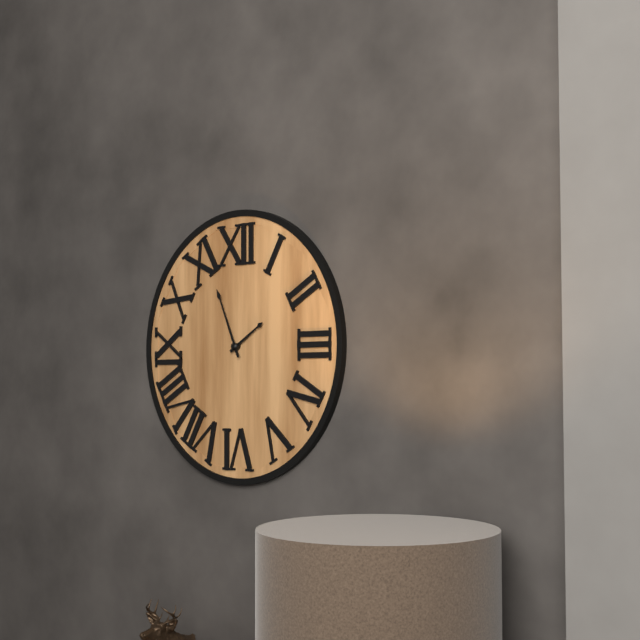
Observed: 1 h 56 min
